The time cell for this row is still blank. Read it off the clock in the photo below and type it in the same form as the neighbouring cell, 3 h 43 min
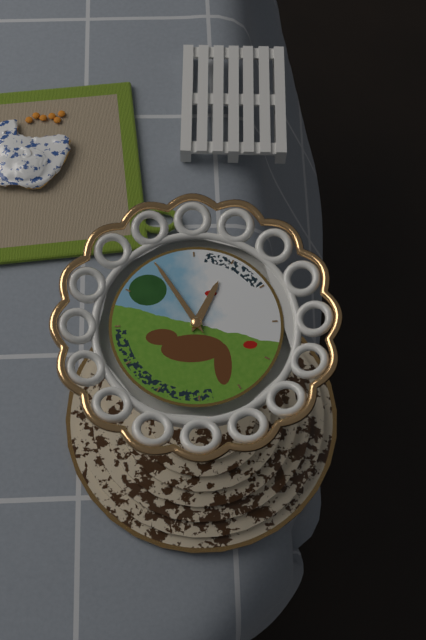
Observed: 12 h 55 min
